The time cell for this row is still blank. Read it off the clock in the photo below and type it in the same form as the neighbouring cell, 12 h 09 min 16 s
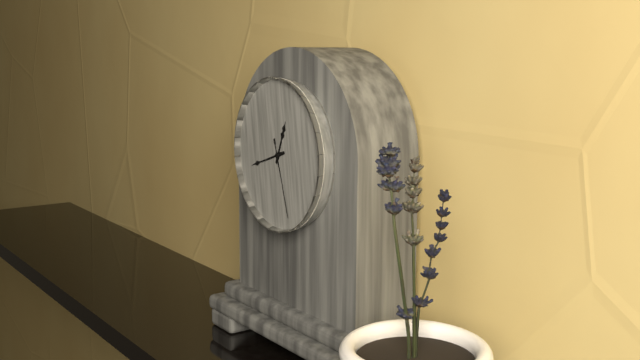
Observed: 12 h 42 min 27 s
